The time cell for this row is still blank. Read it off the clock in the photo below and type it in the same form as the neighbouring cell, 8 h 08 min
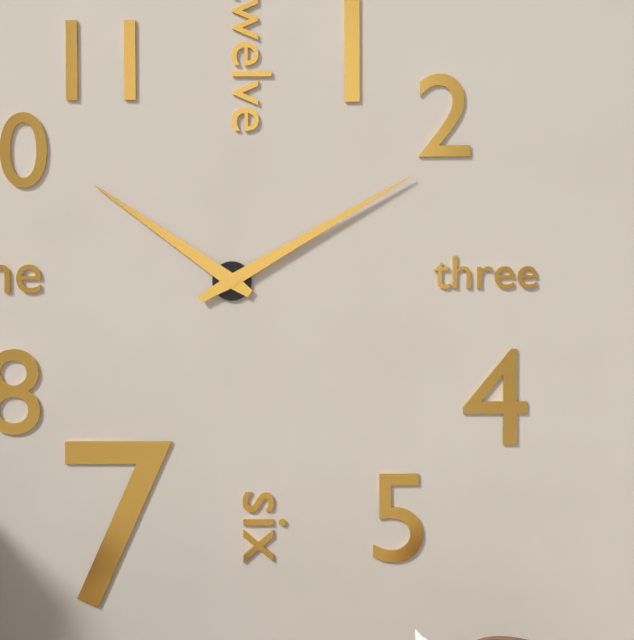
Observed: 10 h 10 min
